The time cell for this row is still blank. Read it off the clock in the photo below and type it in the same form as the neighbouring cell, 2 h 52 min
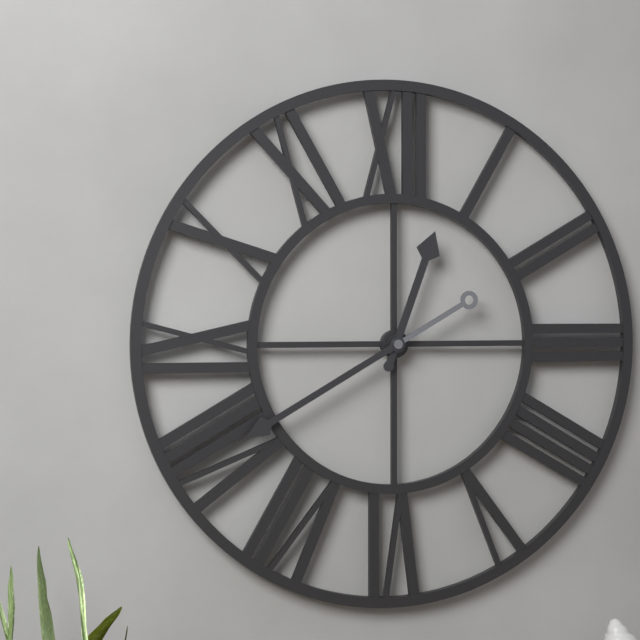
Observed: 12 h 40 min
